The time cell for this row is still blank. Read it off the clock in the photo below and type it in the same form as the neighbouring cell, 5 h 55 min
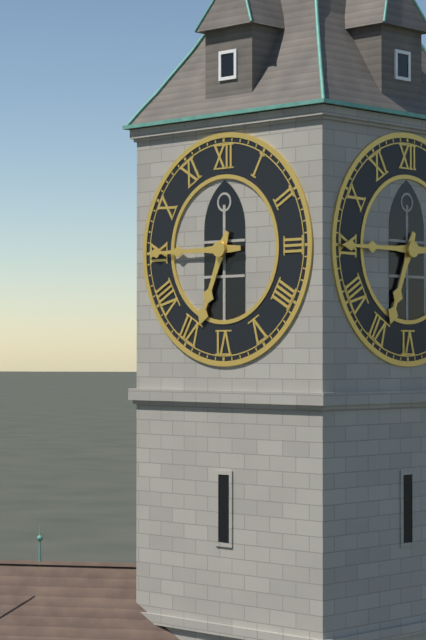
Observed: 6 h 45 min
